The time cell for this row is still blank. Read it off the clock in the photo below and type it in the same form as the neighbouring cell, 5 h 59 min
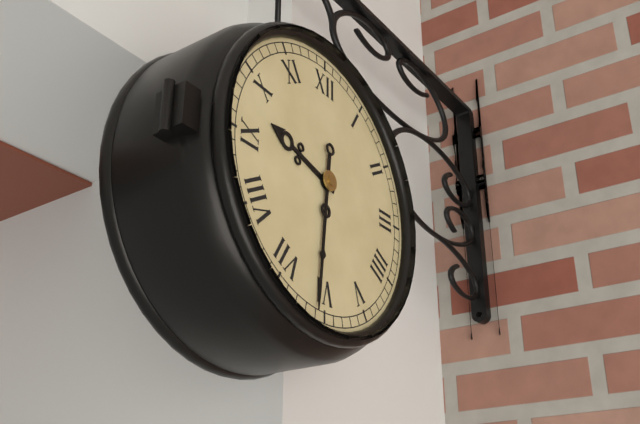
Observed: 9 h 31 min
